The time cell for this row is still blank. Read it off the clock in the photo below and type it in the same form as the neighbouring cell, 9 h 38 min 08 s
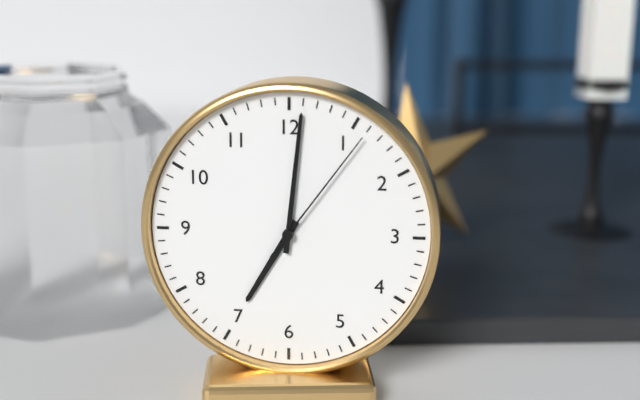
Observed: 7 h 01 min 06 s
